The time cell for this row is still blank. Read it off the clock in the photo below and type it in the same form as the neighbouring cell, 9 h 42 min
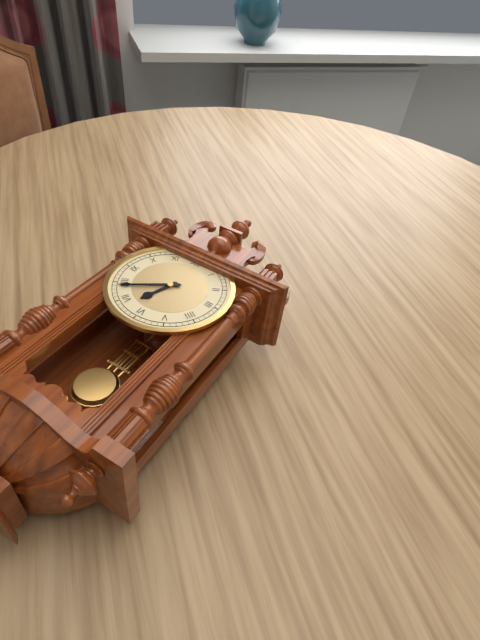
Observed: 6 h 39 min
